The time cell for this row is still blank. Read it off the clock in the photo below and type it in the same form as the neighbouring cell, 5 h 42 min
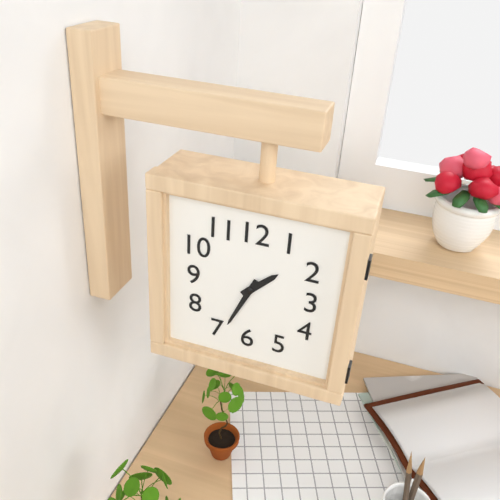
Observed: 1 h 34 min
